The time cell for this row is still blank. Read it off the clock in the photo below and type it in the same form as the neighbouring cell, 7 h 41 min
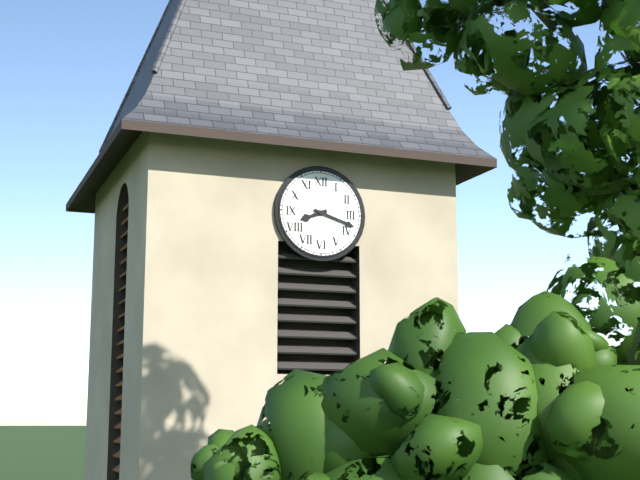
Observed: 8 h 18 min
